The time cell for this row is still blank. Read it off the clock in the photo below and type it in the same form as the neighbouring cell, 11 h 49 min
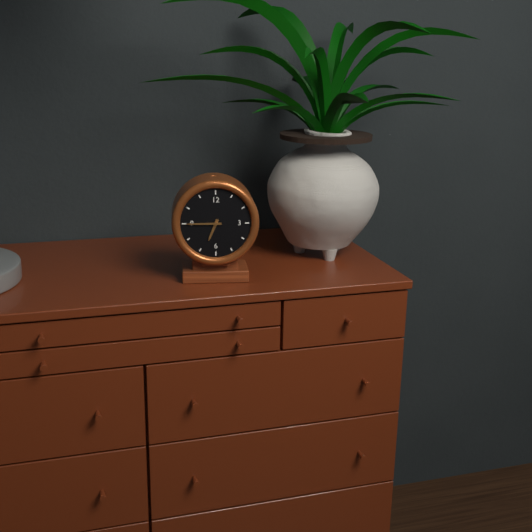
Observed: 6 h 45 min
